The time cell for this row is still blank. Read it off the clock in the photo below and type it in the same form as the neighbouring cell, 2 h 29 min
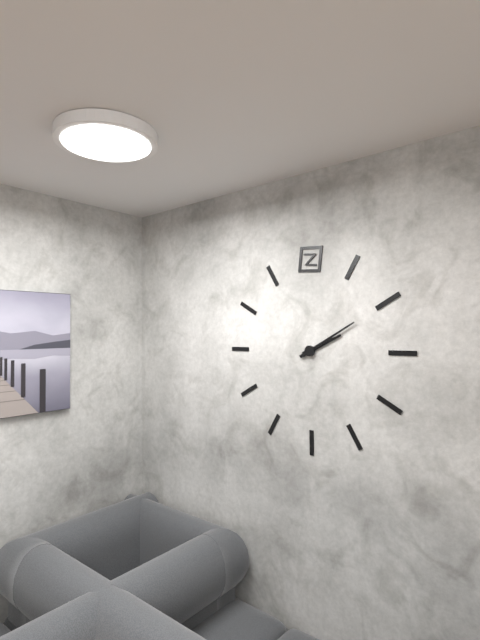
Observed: 2 h 10 min
